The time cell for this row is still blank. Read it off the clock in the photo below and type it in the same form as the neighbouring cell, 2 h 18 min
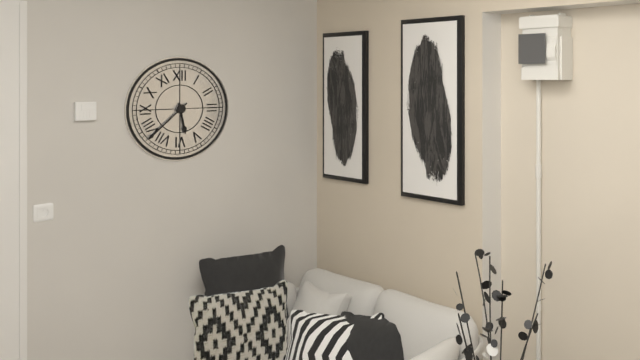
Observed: 5 h 38 min
